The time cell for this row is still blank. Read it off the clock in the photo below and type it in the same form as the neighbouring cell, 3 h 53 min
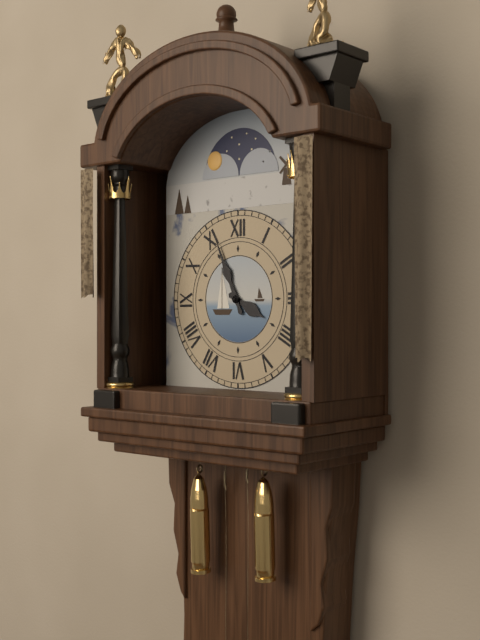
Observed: 3 h 56 min
